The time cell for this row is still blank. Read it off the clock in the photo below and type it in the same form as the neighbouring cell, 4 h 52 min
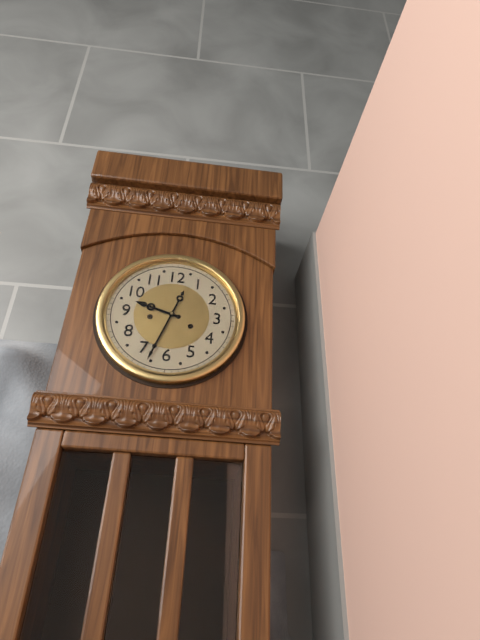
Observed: 9 h 33 min
